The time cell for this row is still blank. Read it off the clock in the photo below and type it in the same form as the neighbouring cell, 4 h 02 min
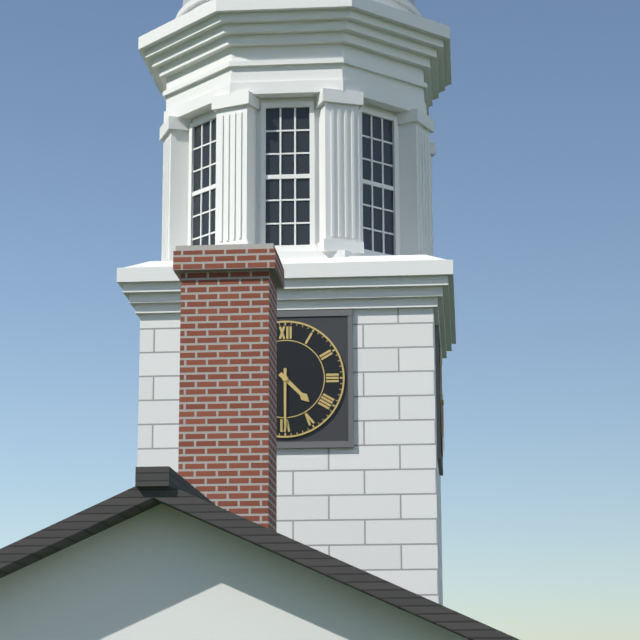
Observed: 4 h 30 min
